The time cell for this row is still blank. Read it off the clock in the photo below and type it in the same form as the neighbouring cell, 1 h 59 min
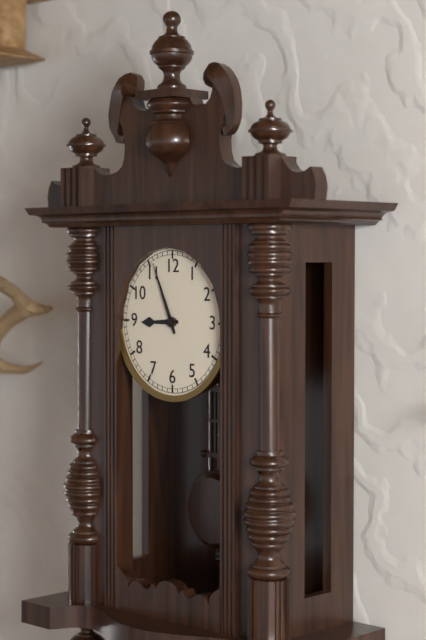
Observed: 8 h 56 min
